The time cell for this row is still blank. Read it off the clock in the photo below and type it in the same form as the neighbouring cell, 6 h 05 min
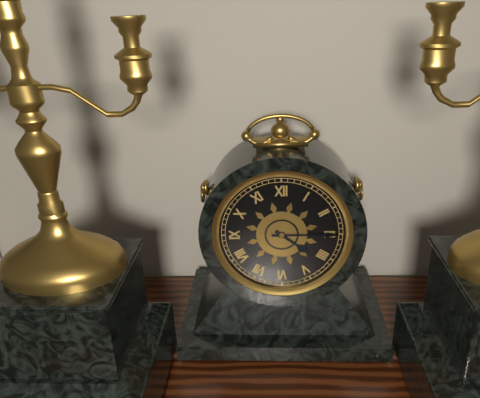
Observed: 4 h 15 min
